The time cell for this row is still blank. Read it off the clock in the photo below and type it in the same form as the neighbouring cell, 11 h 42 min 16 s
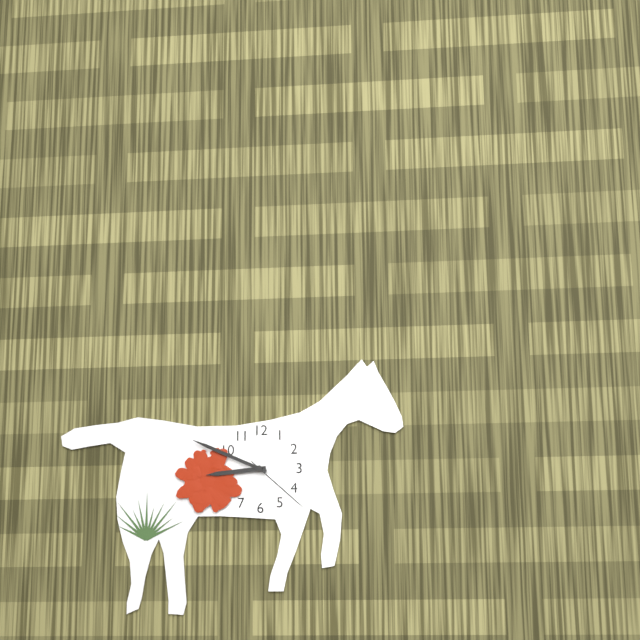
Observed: 8 h 49 min 22 s
